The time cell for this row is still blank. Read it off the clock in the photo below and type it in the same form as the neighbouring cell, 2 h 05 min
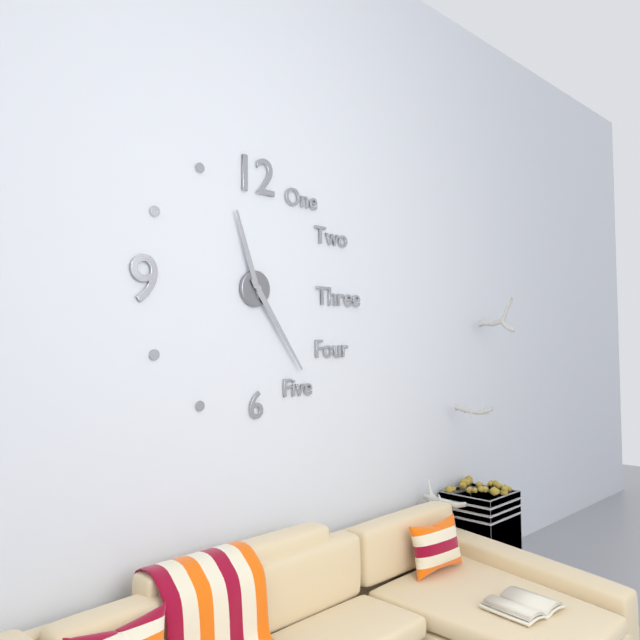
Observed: 11 h 24 min
